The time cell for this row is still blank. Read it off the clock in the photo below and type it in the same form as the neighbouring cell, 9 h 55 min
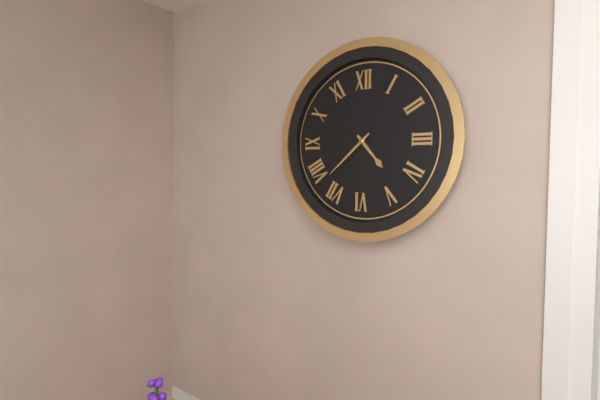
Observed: 4 h 38 min
